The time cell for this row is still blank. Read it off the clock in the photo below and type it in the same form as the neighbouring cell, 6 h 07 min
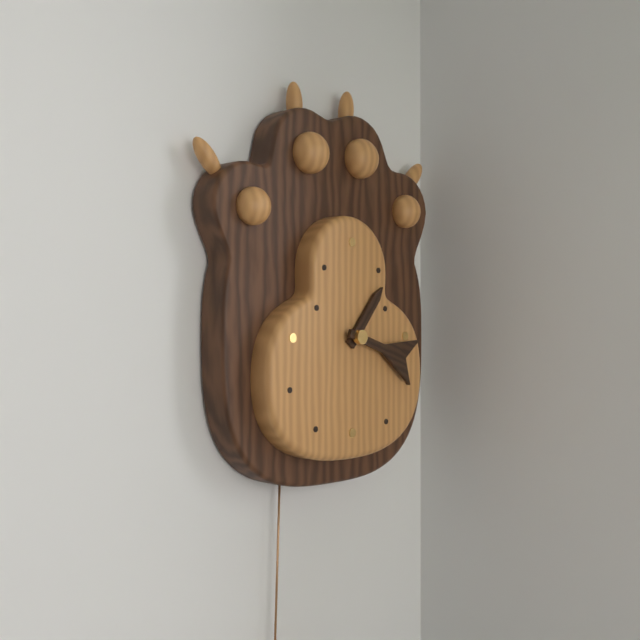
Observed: 1 h 18 min
